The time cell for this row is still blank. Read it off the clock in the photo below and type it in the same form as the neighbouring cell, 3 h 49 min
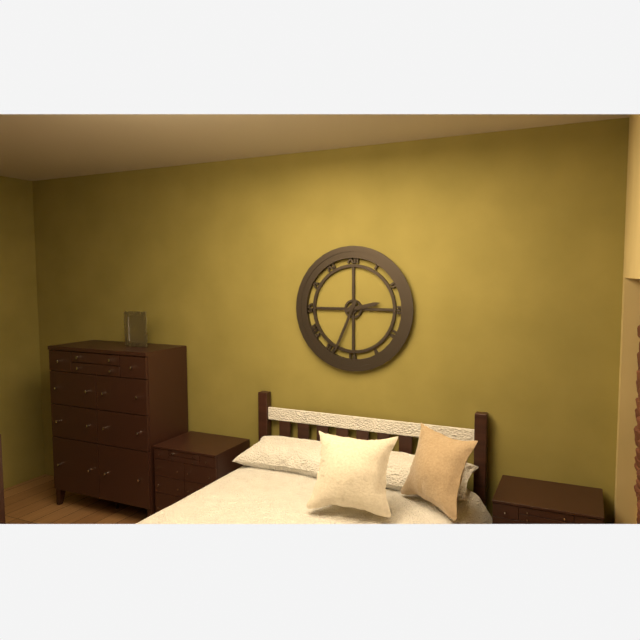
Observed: 2 h 34 min
